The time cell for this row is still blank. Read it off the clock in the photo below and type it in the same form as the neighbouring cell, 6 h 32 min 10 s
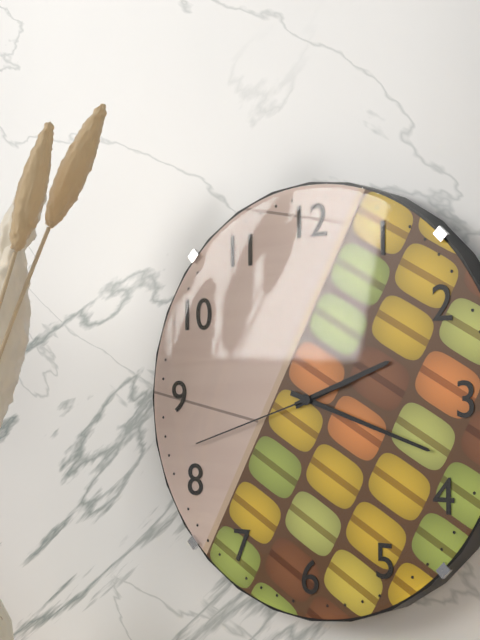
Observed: 2 h 18 min 42 s
